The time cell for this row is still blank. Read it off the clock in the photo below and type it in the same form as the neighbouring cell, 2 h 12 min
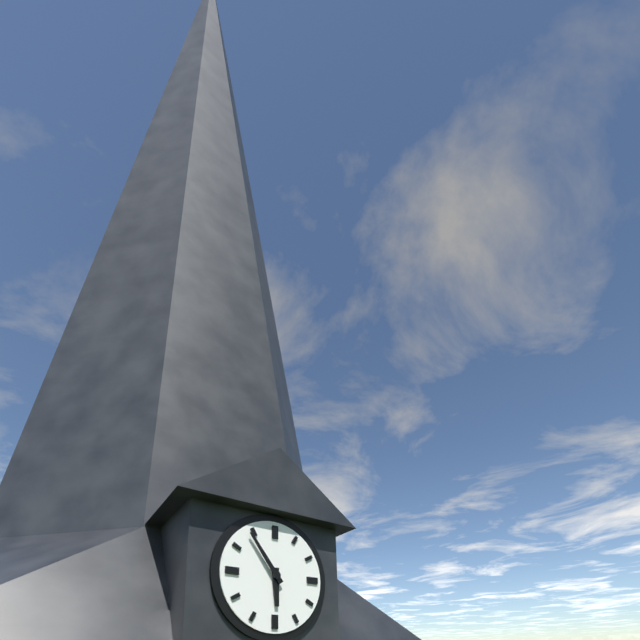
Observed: 5 h 54 min
